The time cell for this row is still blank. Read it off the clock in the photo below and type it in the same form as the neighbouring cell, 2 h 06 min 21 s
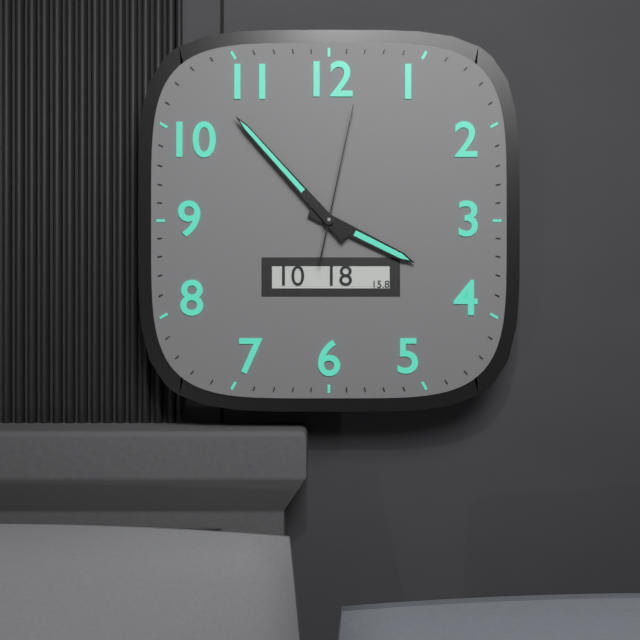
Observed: 3 h 53 min 02 s
